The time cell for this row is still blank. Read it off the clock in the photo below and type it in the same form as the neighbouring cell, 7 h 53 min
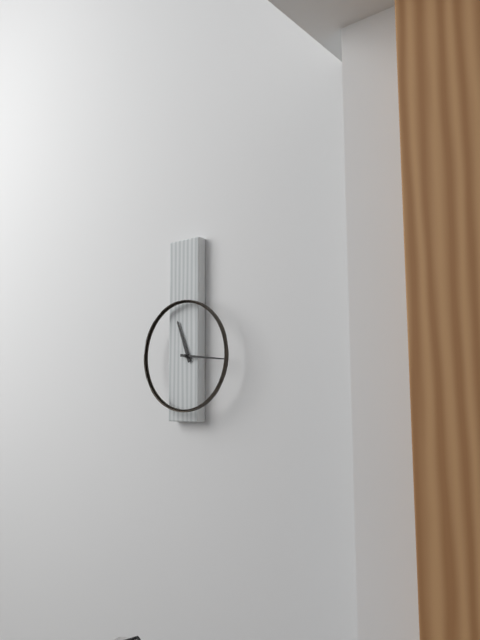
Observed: 11 h 16 min
